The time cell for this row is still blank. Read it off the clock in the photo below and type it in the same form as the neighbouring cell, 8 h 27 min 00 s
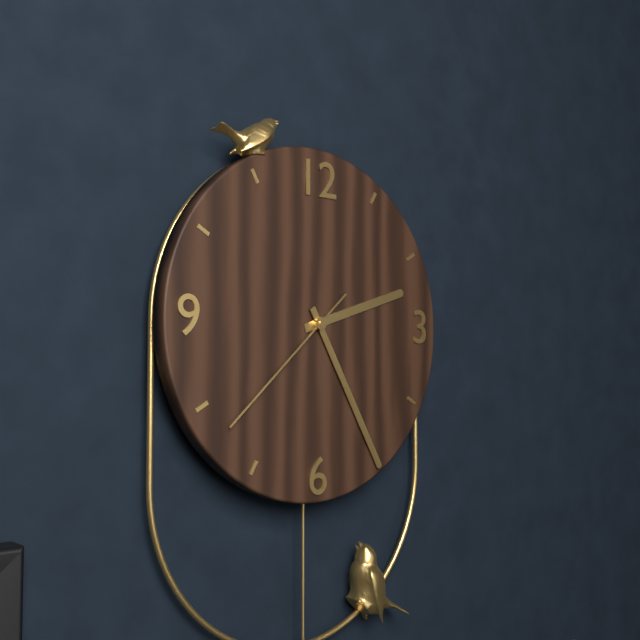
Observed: 2 h 25 min 38 s
